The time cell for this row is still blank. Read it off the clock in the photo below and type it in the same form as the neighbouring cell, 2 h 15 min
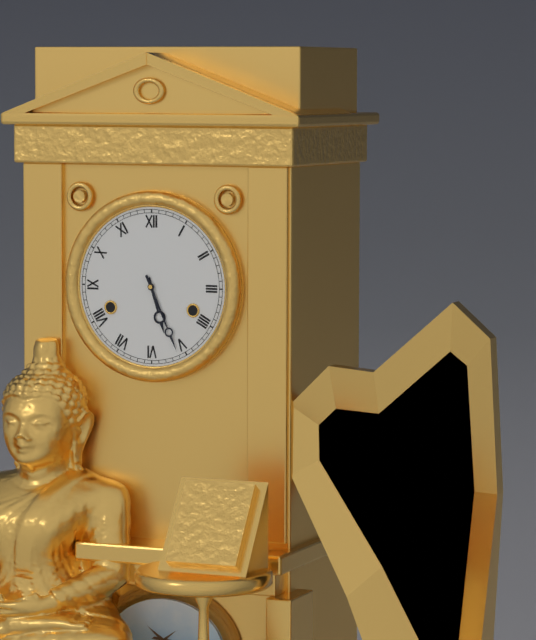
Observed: 5 h 26 min
